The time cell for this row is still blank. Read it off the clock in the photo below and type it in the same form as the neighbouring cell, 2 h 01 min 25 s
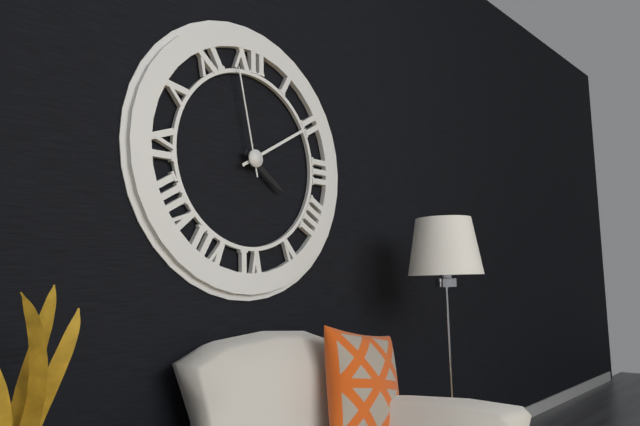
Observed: 4 h 10 min 58 s
